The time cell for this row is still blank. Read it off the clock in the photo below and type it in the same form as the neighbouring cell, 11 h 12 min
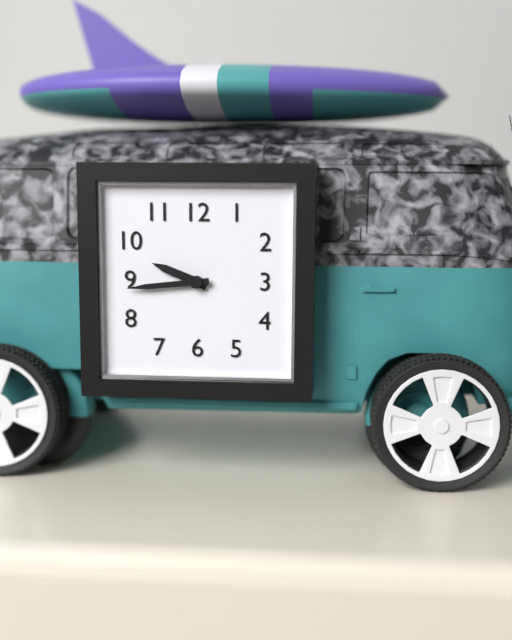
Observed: 9 h 44 min
